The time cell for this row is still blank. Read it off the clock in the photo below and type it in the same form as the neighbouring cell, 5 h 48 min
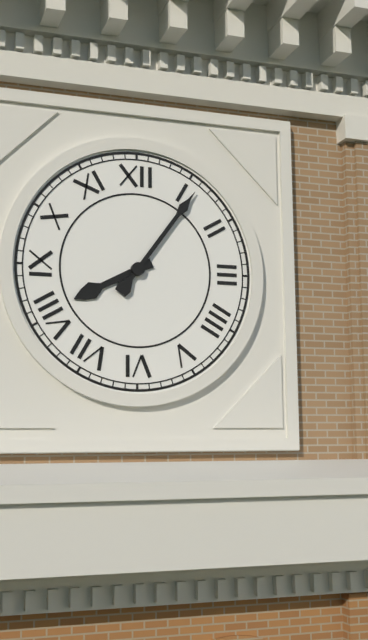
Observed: 8 h 06 min
